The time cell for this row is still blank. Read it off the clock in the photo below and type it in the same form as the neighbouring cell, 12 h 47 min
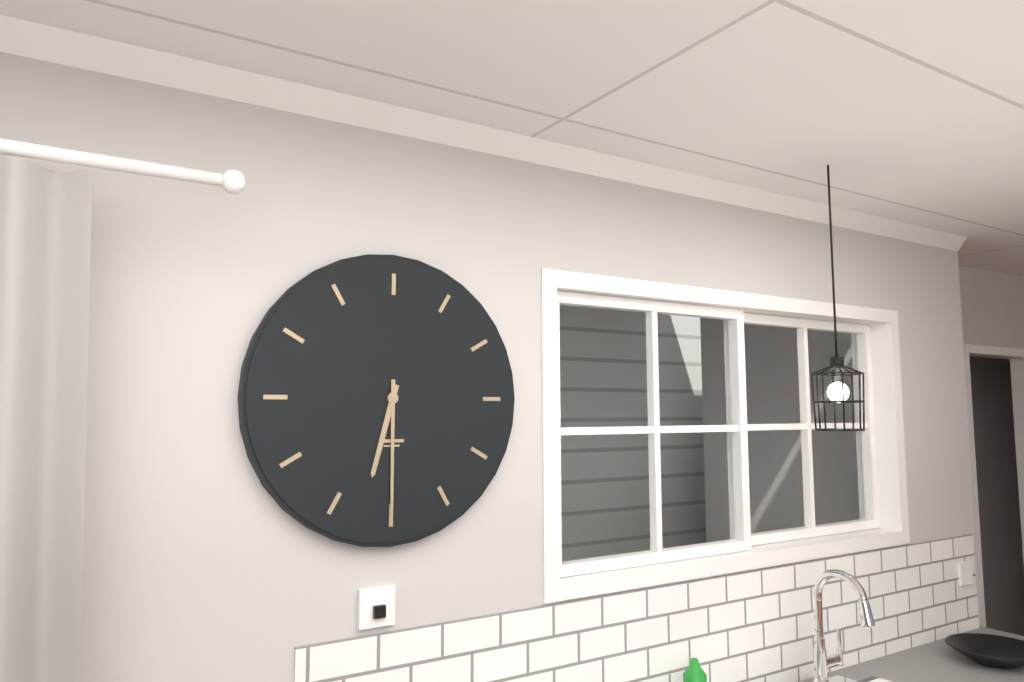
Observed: 6 h 30 min
